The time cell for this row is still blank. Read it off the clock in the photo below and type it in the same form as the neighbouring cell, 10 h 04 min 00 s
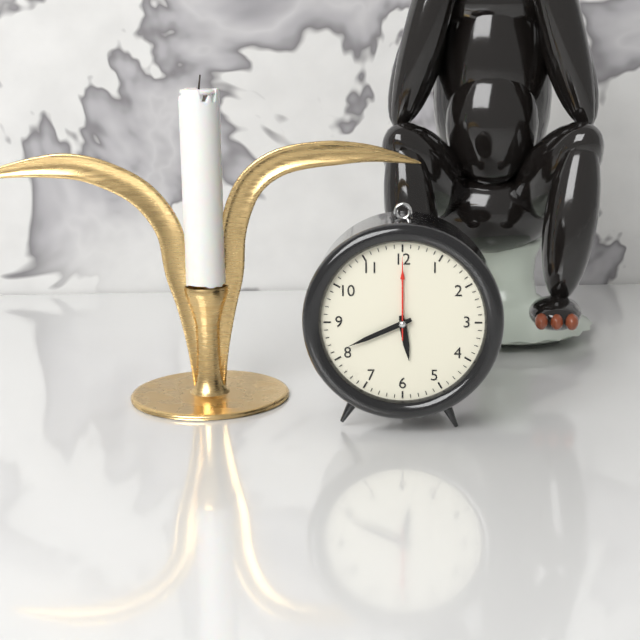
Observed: 5 h 41 min 00 s
